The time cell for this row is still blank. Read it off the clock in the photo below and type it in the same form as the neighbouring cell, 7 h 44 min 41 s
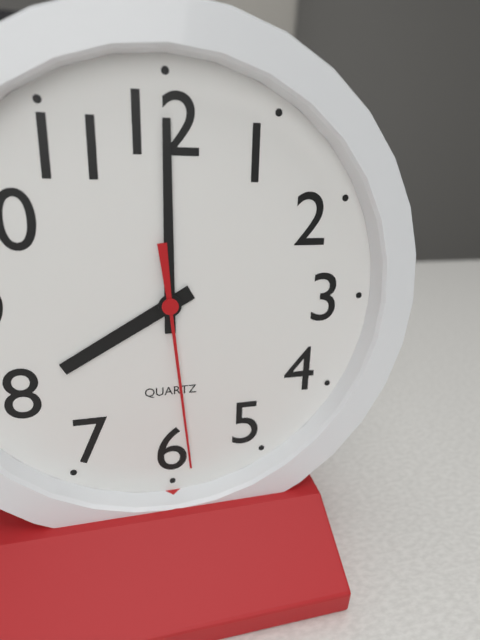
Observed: 8 h 00 min 29 s
